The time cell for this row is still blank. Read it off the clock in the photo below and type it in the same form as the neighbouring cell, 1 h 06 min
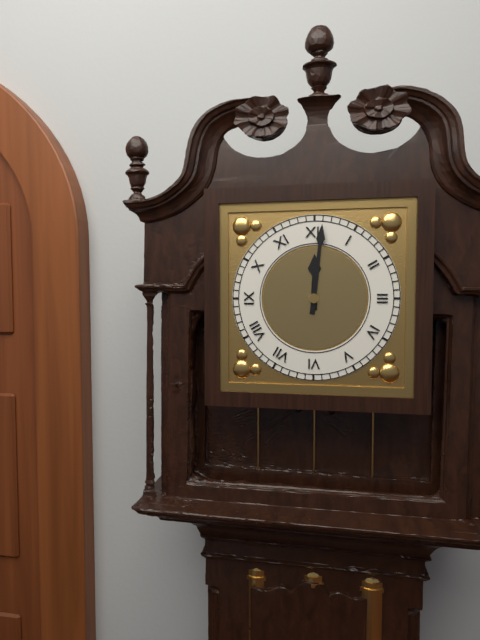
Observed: 12 h 01 min
